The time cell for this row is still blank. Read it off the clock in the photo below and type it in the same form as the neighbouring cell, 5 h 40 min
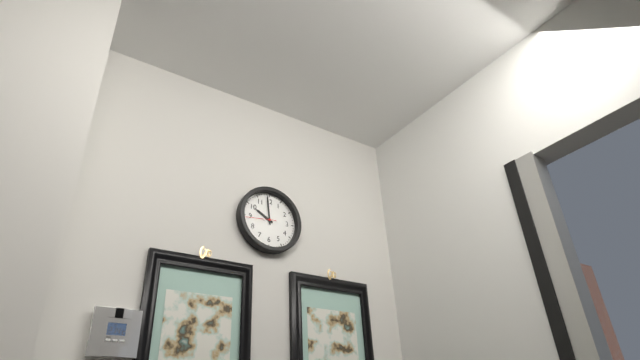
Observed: 9 h 59 min
